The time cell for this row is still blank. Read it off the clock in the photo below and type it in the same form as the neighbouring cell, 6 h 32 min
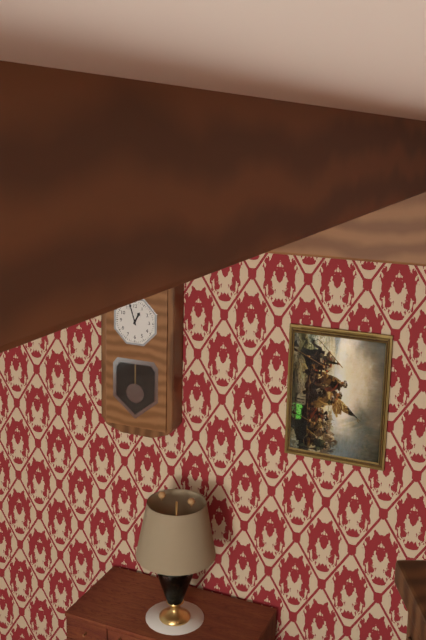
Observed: 12 h 57 min
